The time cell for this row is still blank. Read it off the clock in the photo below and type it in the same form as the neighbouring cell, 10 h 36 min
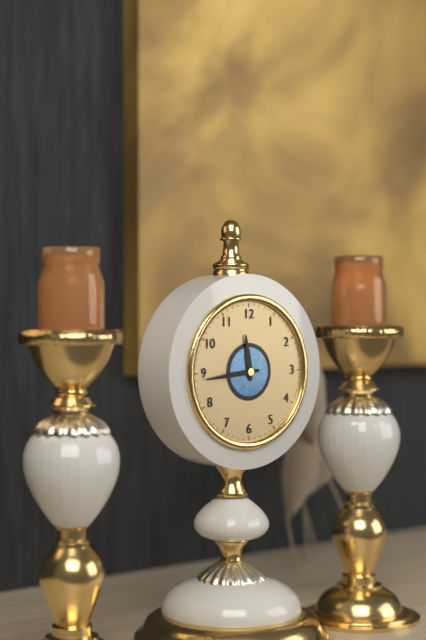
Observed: 11 h 44 min
